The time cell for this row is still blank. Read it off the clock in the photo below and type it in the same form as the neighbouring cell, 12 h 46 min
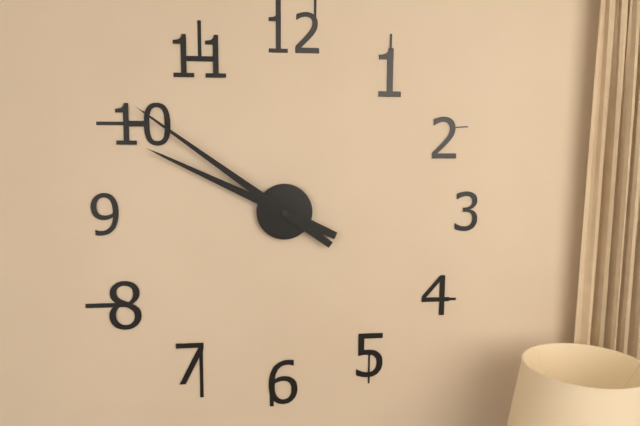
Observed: 9 h 51 min
